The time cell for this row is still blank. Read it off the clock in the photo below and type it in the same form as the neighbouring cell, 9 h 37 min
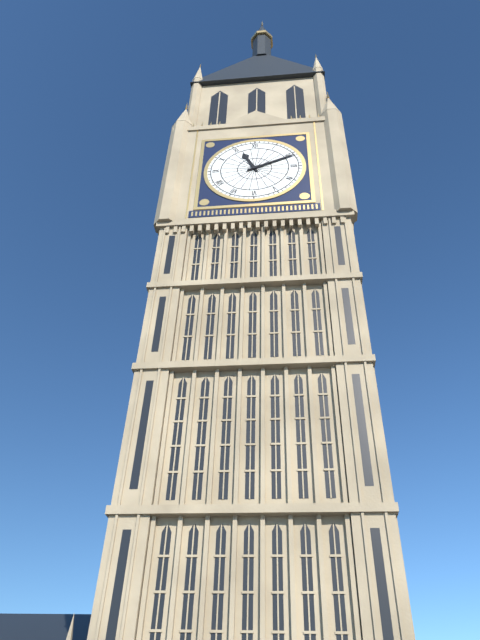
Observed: 11 h 11 min
